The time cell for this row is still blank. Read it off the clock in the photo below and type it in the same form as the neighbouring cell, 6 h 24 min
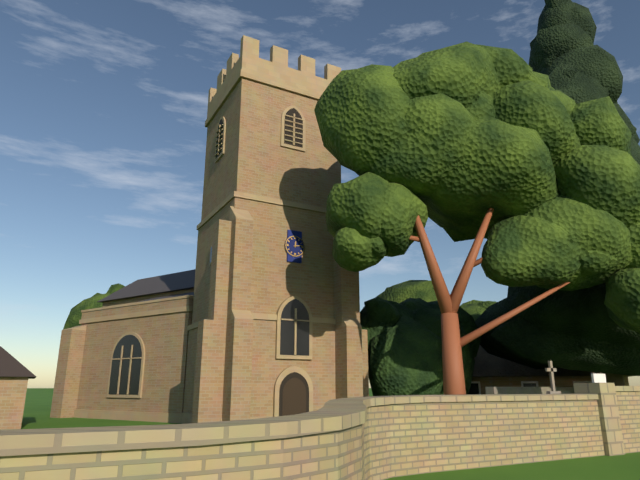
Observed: 12 h 13 min
